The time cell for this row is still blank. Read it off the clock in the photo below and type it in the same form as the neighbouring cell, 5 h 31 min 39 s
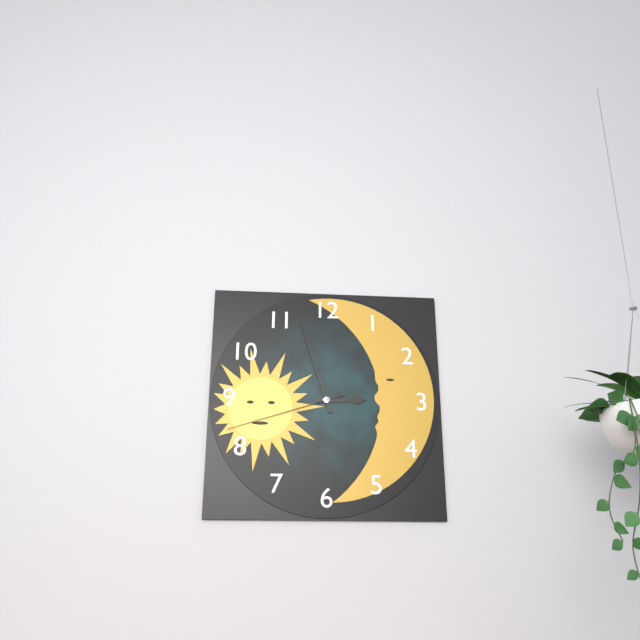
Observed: 2 h 57 min 42 s
